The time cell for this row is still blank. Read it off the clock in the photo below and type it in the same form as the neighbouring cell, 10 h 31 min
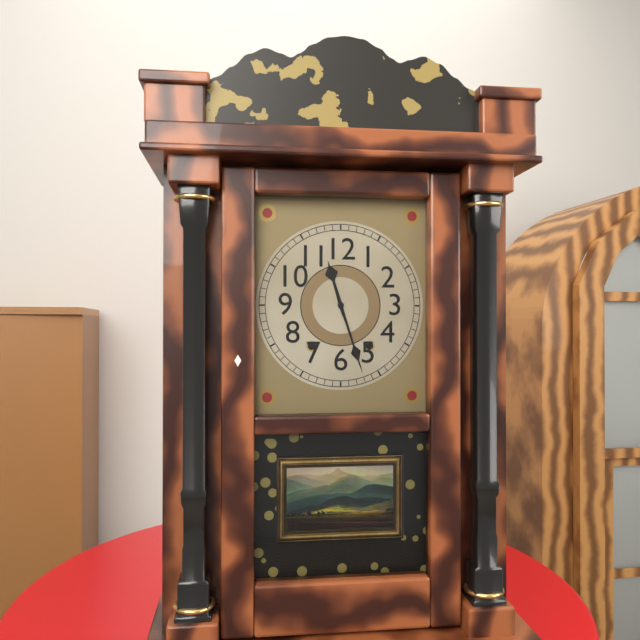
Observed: 11 h 27 min
